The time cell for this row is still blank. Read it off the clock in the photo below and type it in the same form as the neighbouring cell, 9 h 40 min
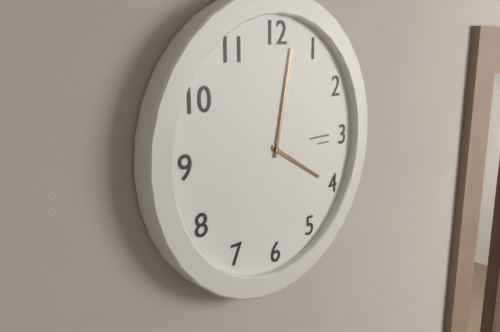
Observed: 4 h 02 min
